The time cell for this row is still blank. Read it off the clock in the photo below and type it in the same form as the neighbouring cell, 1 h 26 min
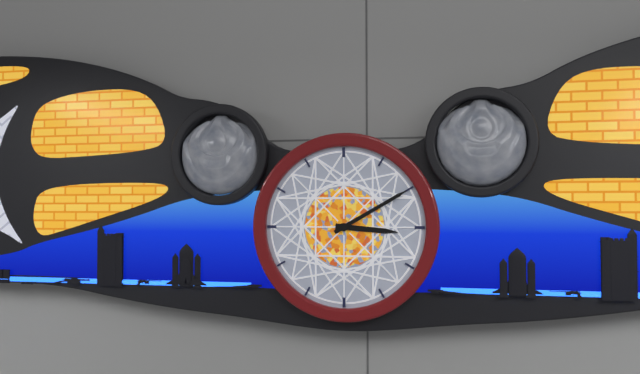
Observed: 3 h 10 min
